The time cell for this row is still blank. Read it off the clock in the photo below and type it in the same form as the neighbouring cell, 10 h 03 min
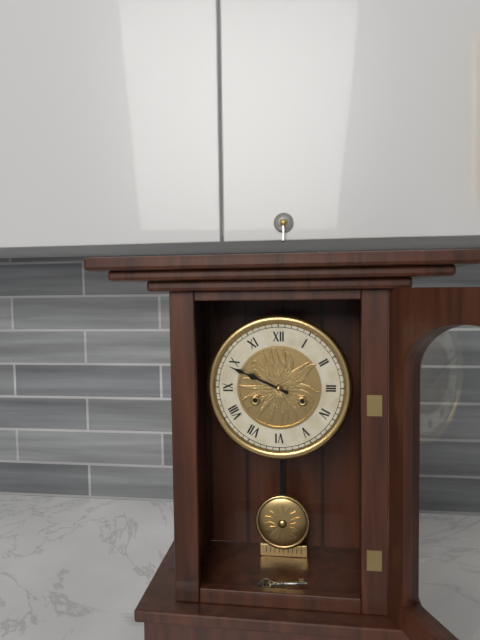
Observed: 9 h 49 min
